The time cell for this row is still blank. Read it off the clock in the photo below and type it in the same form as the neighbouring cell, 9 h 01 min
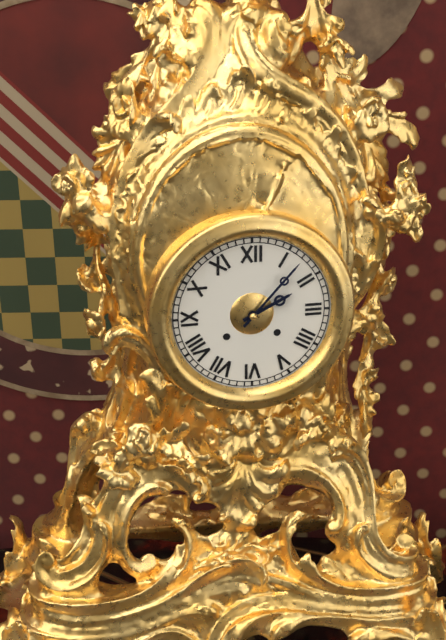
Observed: 2 h 07 min
